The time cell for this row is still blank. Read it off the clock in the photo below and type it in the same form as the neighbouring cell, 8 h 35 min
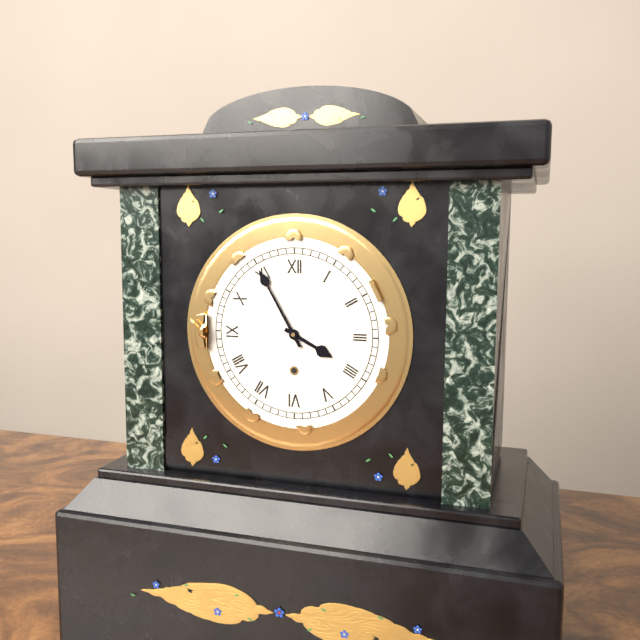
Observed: 3 h 55 min
